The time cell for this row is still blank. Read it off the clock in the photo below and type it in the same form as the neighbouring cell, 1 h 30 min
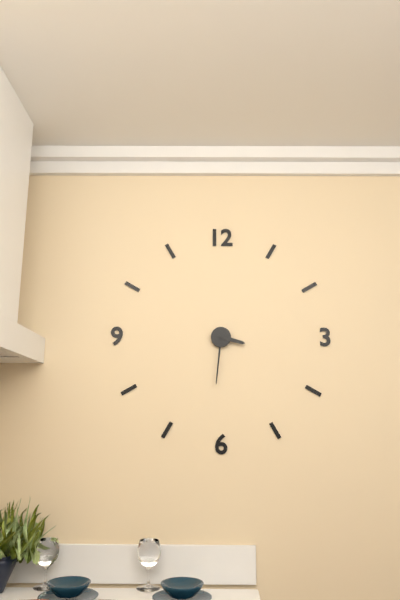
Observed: 3 h 31 min
